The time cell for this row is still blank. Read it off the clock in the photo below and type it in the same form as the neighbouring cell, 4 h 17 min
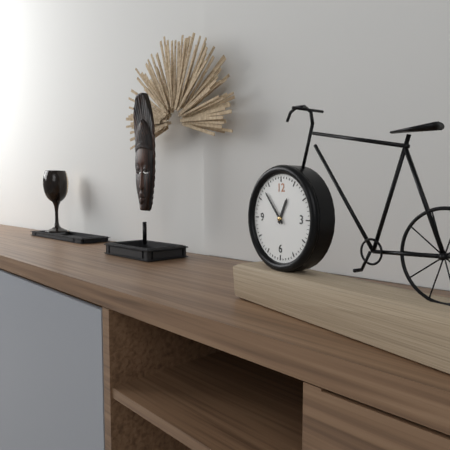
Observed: 12 h 53 min
